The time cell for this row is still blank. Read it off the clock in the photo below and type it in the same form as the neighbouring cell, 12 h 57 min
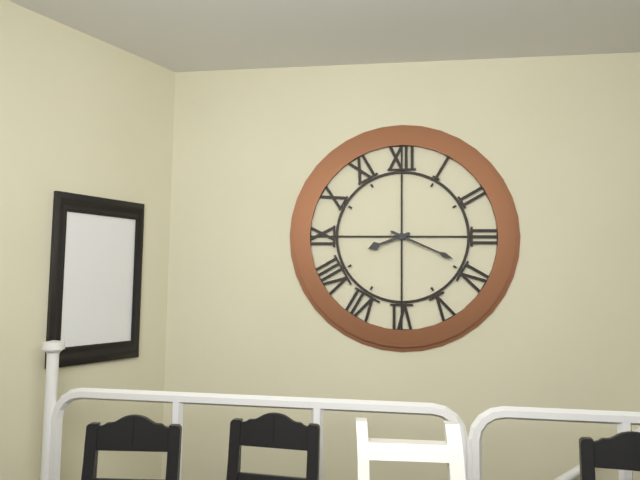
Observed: 8 h 19 min
